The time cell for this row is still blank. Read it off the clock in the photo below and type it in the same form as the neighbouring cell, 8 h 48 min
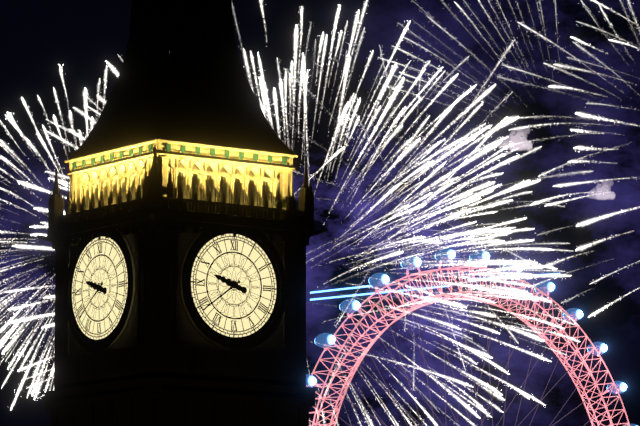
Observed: 9 h 39 min
